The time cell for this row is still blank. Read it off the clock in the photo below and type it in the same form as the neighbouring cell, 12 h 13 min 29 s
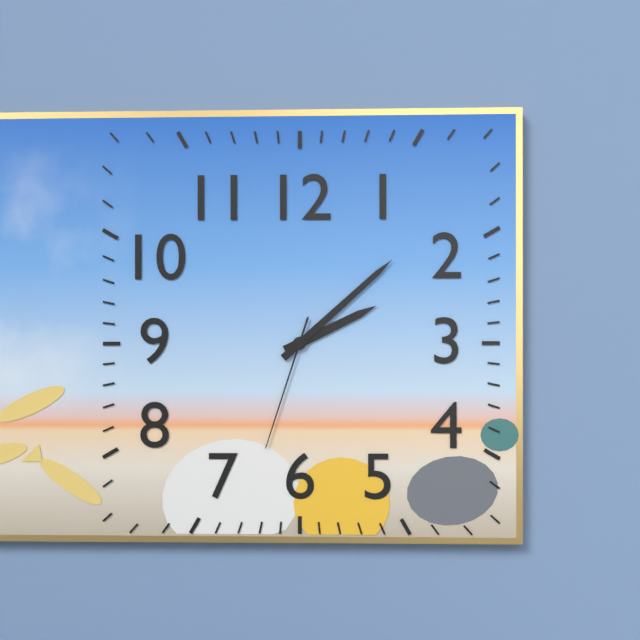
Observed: 2 h 08 min 33 s
